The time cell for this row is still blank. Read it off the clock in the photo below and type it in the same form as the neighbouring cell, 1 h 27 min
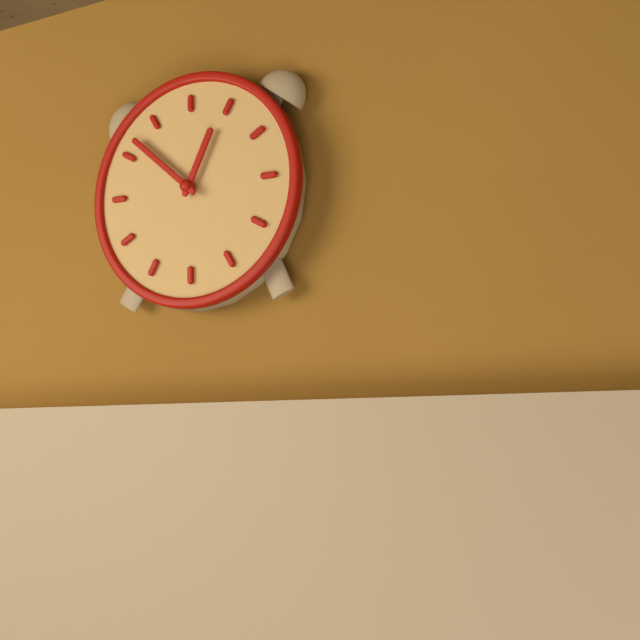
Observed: 12 h 52 min
